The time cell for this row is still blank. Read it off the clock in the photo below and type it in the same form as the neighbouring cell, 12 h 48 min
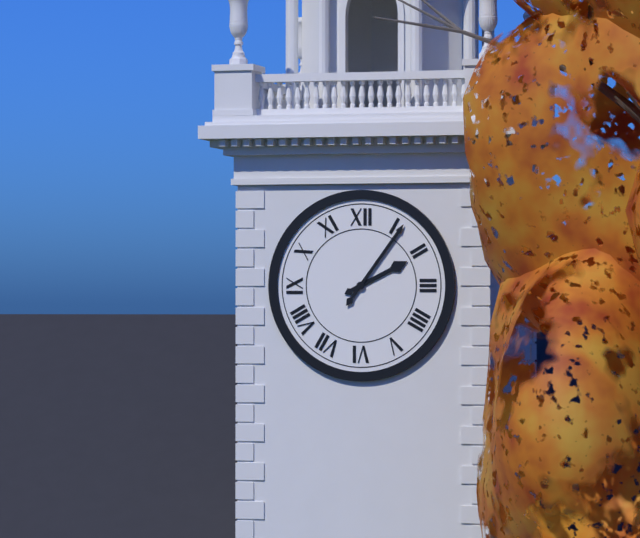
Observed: 2 h 06 min
